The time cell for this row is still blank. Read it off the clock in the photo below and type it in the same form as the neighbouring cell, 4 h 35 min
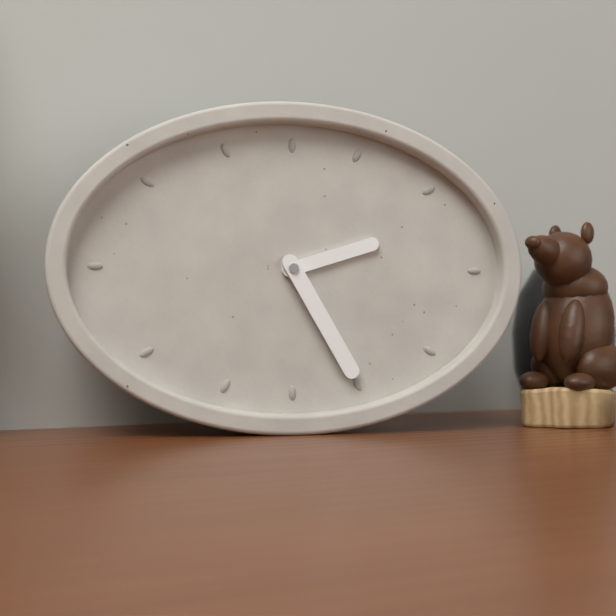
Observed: 2 h 25 min
